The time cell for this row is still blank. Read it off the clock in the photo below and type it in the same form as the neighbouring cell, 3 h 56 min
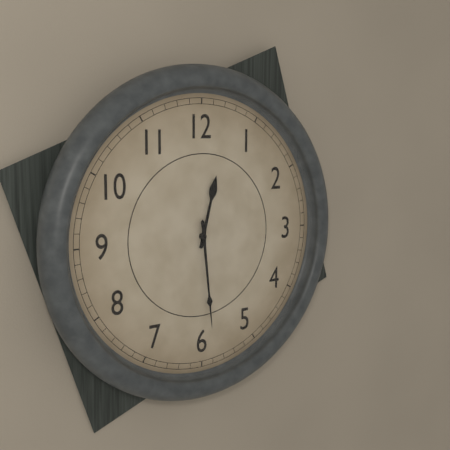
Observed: 12 h 29 min
